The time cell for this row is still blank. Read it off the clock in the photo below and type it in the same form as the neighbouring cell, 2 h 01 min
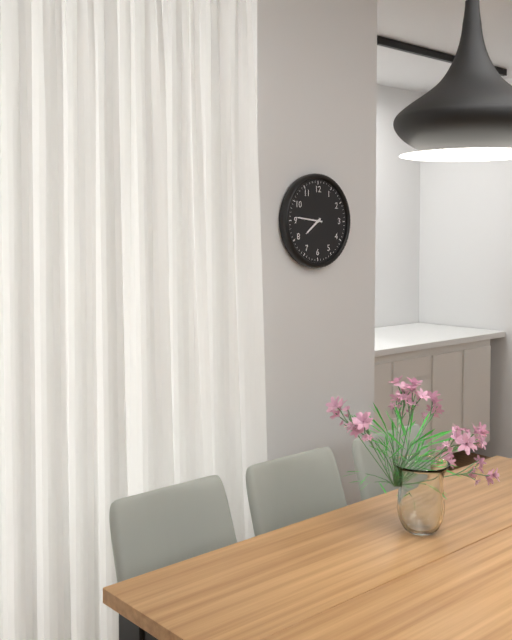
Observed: 7 h 46 min
